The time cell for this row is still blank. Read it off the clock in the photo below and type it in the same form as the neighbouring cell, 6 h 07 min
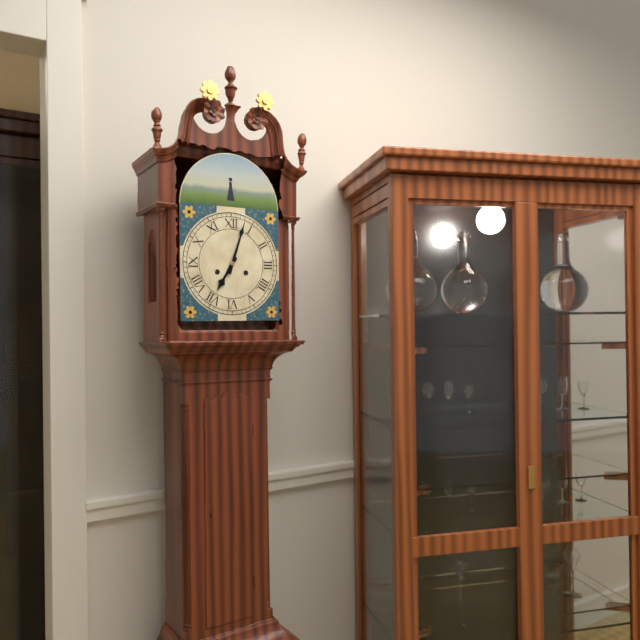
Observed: 7 h 03 min
